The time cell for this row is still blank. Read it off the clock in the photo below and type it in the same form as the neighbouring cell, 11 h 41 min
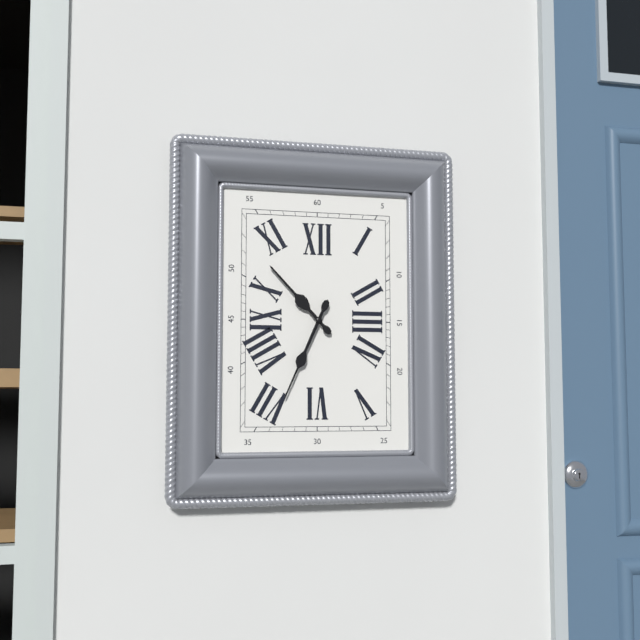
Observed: 10 h 34 min
